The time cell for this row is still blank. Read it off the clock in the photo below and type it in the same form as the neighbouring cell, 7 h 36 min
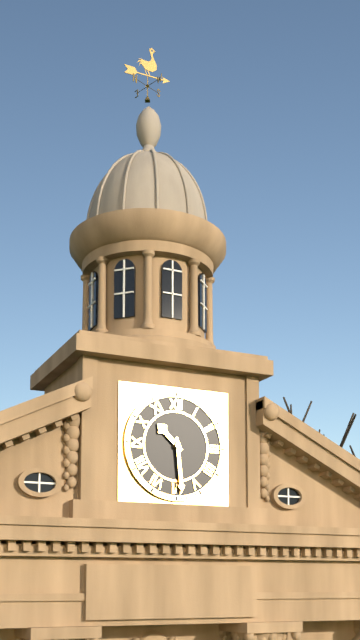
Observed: 10 h 29 min
